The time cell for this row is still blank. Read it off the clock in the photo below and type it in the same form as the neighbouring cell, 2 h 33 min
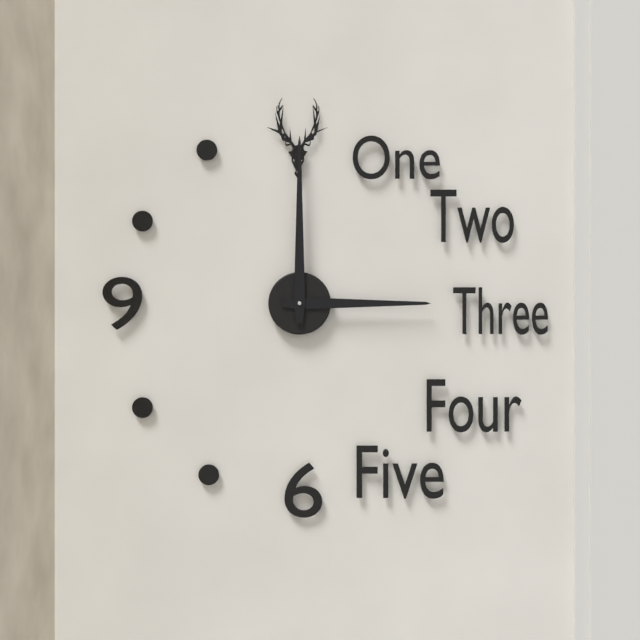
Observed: 3 h 00 min
